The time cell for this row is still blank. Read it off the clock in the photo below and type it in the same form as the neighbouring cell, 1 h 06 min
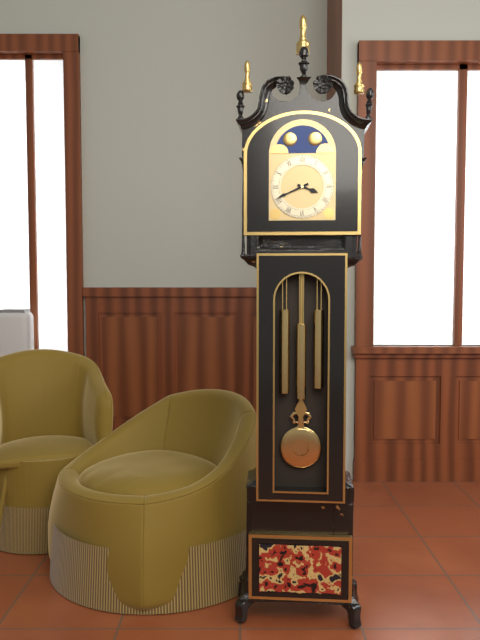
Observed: 3 h 41 min
